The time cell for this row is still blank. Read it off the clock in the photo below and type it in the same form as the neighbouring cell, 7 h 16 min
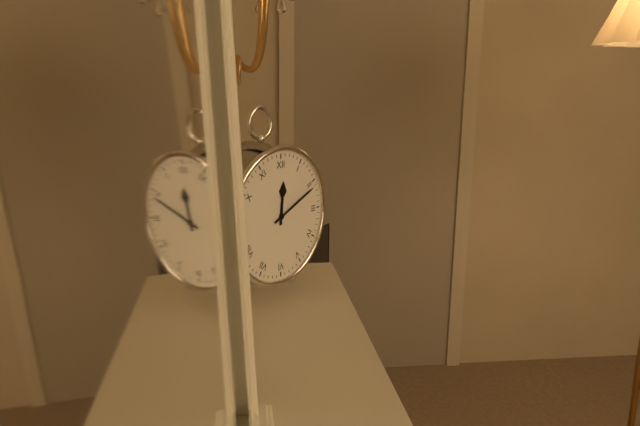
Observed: 12 h 11 min
